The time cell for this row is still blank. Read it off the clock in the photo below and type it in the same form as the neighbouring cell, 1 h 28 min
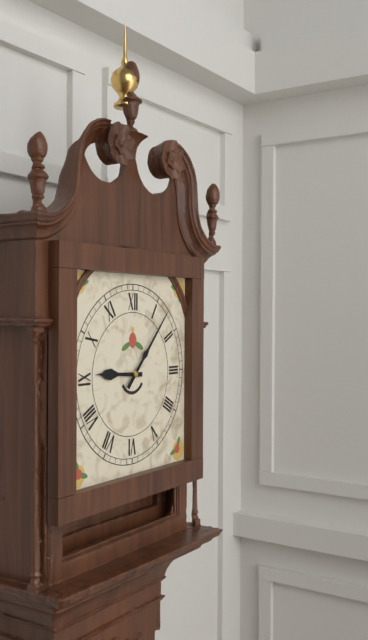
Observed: 9 h 07 min
